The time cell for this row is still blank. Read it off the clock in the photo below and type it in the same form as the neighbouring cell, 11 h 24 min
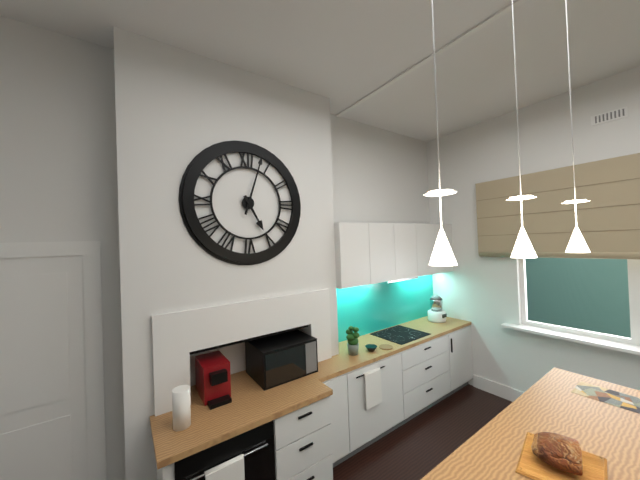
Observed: 5 h 03 min
